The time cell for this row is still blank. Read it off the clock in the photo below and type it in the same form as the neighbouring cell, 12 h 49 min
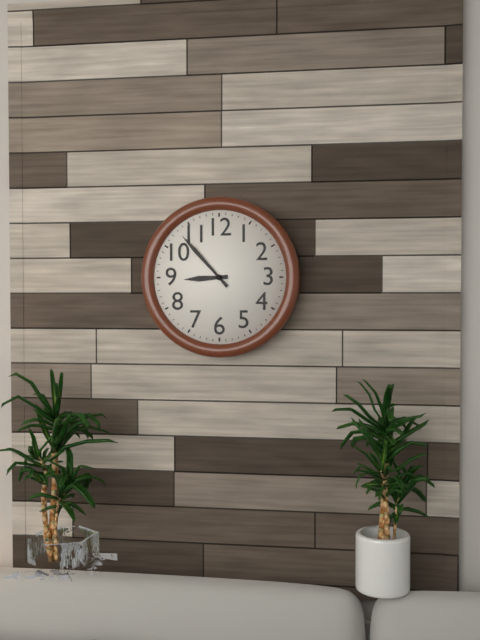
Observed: 8 h 53 min
